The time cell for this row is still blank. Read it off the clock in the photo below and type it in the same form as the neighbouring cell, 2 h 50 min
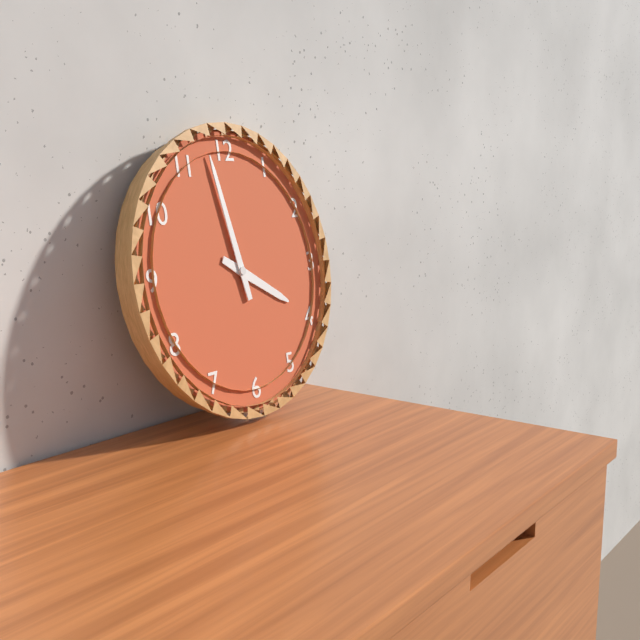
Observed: 3 h 58 min
